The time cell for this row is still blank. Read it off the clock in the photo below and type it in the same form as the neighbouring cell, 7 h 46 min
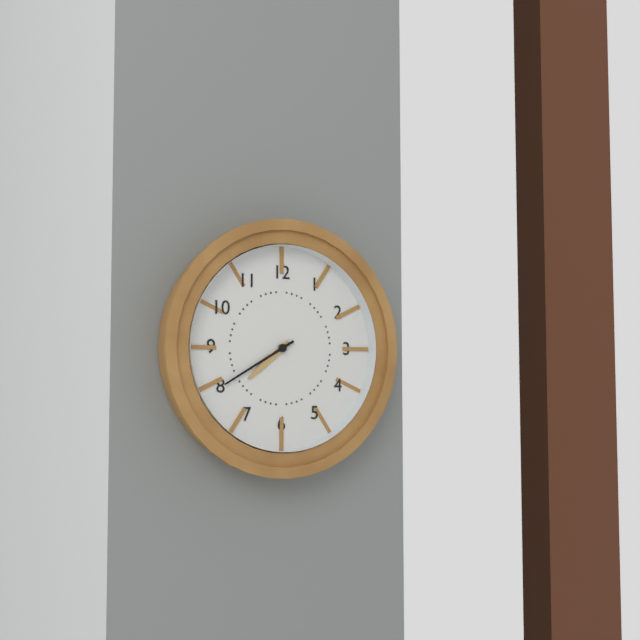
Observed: 7 h 40 min
